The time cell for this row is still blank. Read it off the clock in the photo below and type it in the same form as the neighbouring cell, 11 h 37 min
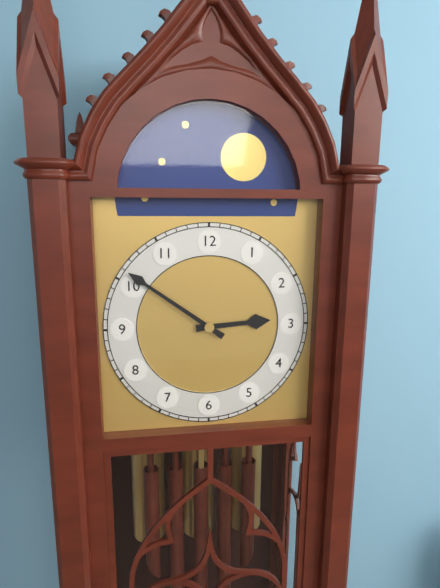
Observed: 2 h 51 min
